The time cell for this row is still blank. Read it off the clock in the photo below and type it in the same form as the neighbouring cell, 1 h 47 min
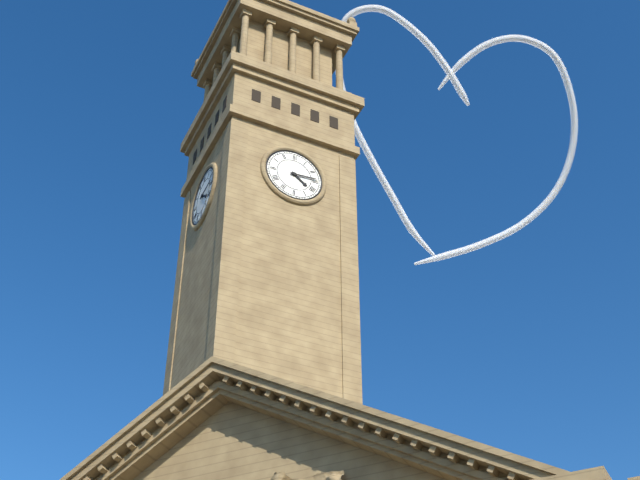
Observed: 4 h 14 min
